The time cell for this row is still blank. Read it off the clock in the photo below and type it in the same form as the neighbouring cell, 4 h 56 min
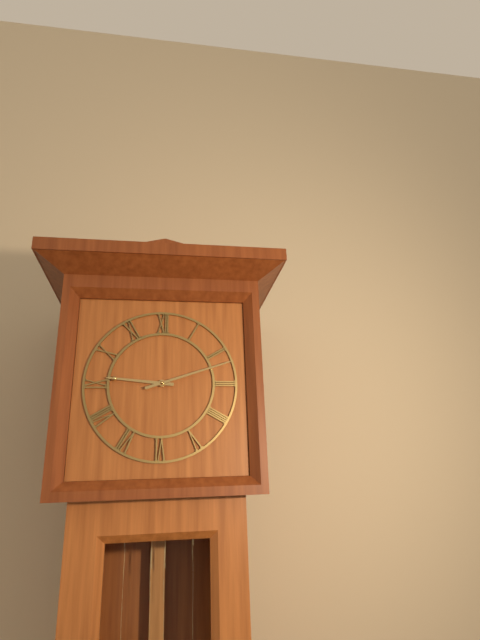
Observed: 9 h 12 min
